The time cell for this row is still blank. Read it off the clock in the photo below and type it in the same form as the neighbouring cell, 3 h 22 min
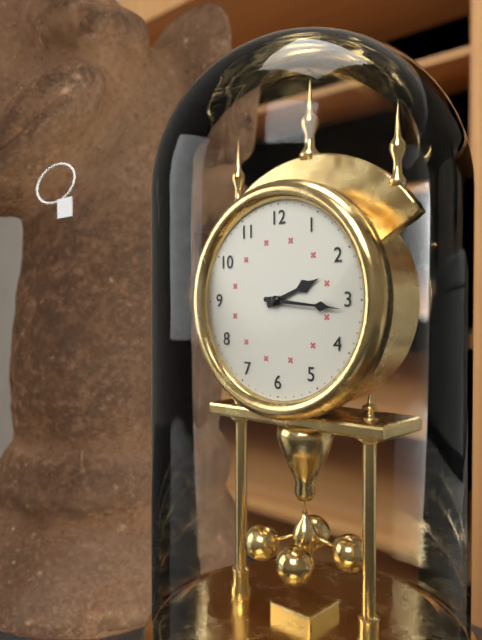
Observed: 2 h 16 min
